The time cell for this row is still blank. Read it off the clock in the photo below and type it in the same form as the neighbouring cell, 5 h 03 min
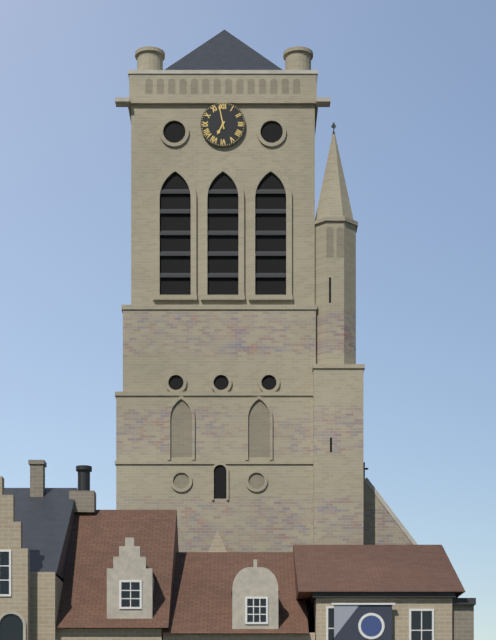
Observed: 6 h 58 min
